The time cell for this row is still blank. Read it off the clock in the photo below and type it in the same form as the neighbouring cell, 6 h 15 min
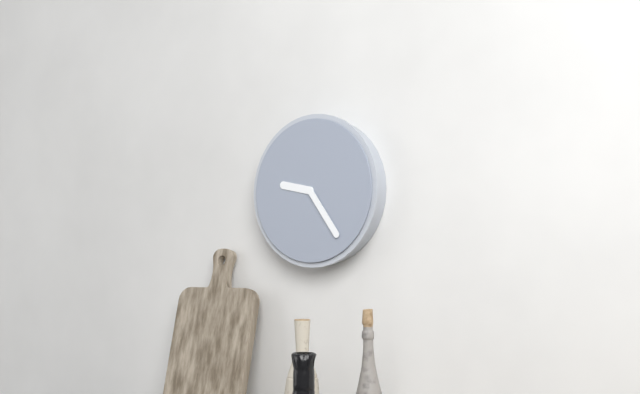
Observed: 9 h 24 min
